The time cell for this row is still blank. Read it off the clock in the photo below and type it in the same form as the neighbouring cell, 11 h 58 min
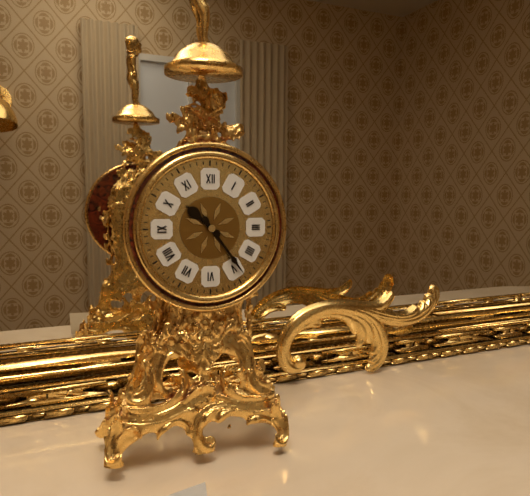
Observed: 10 h 24 min
